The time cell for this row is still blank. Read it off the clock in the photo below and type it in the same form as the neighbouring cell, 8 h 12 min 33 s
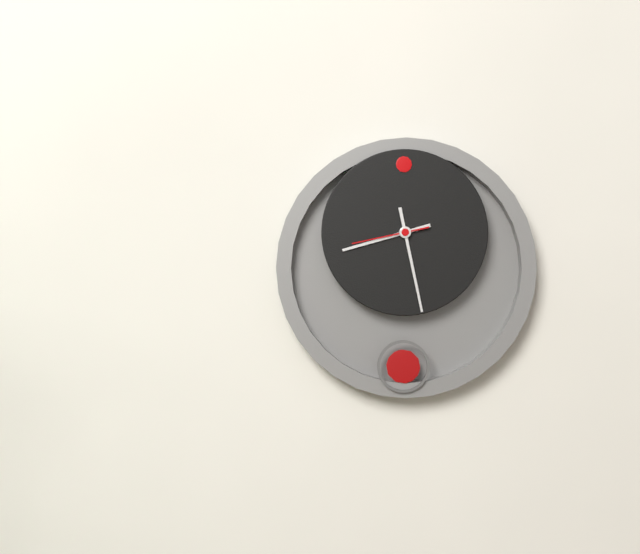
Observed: 8 h 28 min 43 s
